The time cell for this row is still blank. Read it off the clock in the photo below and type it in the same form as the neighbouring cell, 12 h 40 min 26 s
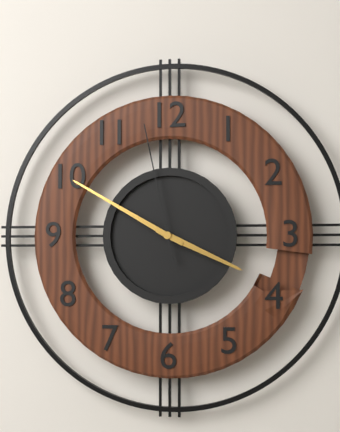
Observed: 3 h 50 min 58 s
